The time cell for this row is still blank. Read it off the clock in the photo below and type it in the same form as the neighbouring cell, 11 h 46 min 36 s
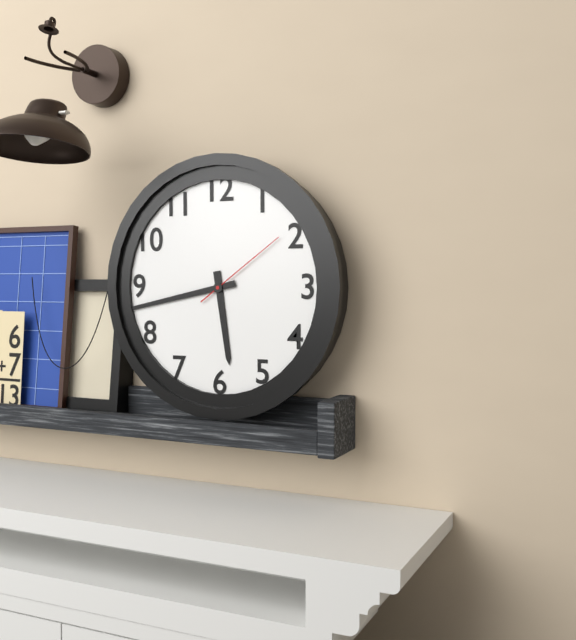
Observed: 5 h 43 min 09 s
